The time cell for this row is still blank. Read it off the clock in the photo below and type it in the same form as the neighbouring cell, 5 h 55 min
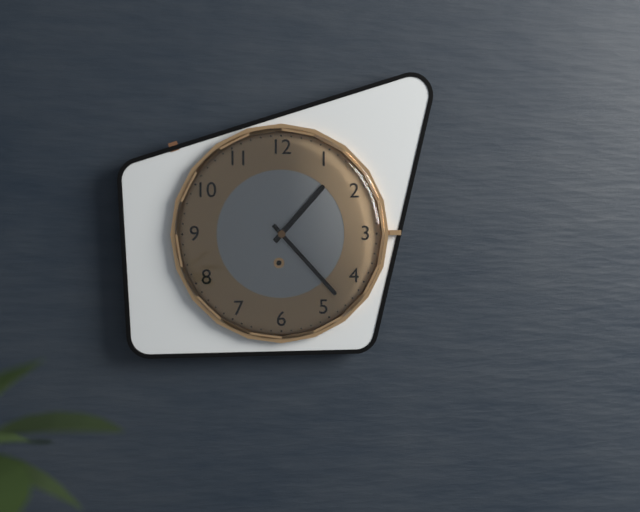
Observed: 1 h 23 min
